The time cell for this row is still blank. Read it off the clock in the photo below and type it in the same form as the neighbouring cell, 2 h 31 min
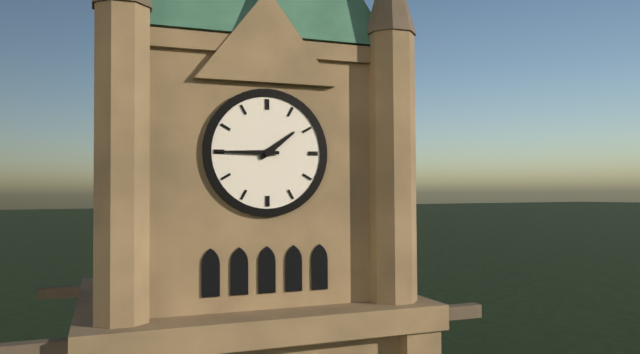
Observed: 1 h 45 min
